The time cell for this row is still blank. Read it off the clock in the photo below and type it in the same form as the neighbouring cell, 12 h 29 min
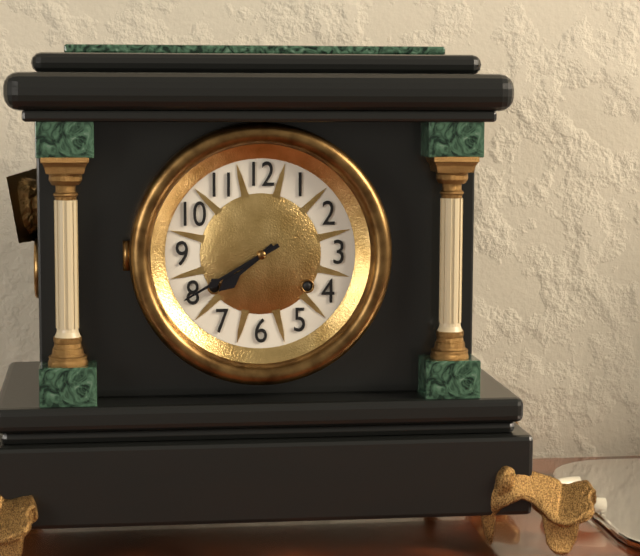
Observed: 7 h 40 min
